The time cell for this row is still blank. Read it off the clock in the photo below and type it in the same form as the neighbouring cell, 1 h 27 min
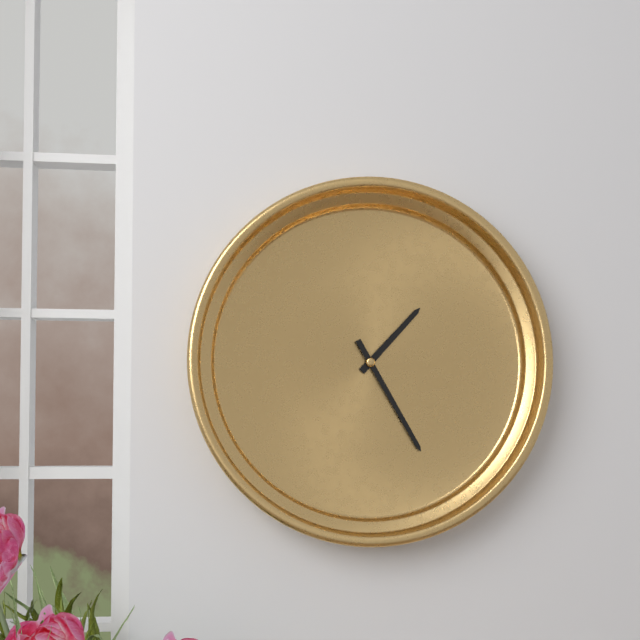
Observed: 1 h 25 min
